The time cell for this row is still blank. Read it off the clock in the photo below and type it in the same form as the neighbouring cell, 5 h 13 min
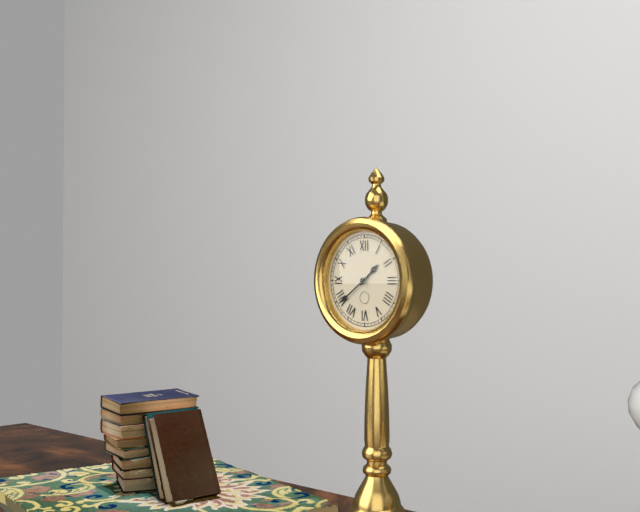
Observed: 1 h 39 min
